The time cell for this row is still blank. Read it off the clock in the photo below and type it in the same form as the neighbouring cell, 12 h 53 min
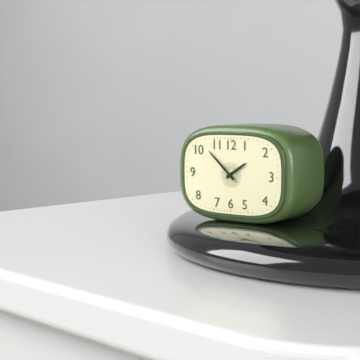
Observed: 1 h 52 min
